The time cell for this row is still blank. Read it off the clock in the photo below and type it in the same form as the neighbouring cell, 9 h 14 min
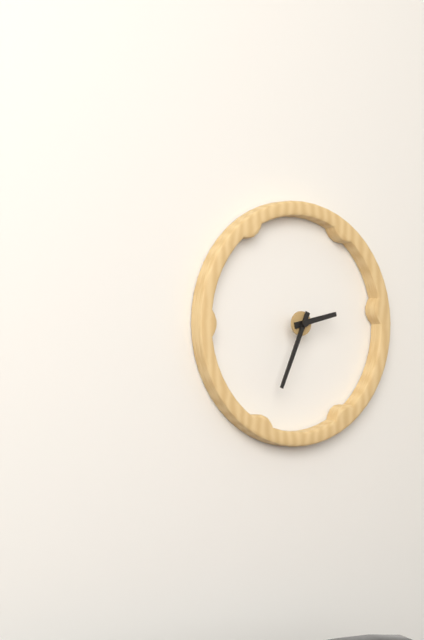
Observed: 2 h 34 min
